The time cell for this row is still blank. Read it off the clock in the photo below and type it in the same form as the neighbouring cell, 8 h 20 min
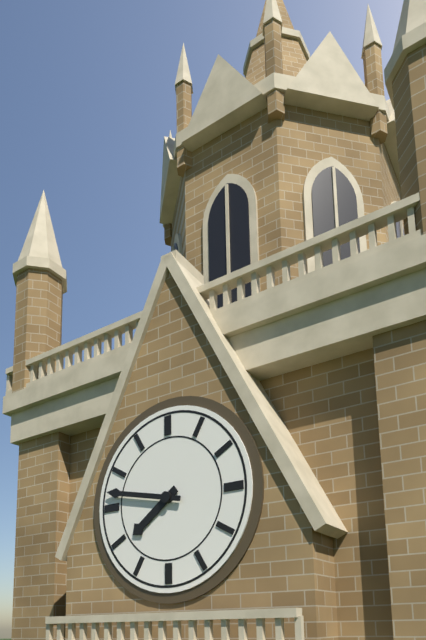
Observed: 7 h 47 min
